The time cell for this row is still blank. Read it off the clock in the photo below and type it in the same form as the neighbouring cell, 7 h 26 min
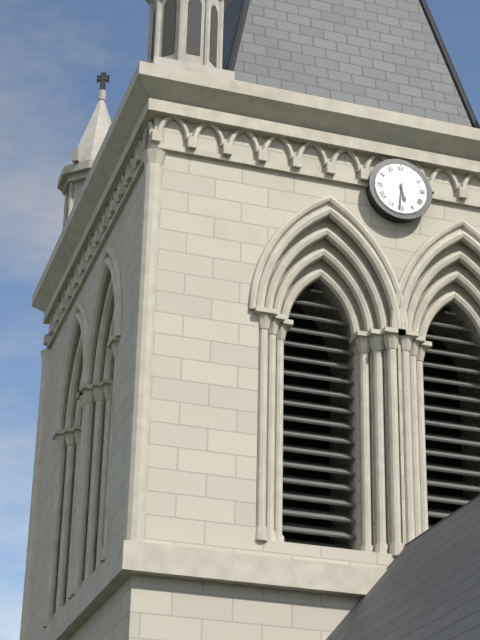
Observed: 5 h 31 min
